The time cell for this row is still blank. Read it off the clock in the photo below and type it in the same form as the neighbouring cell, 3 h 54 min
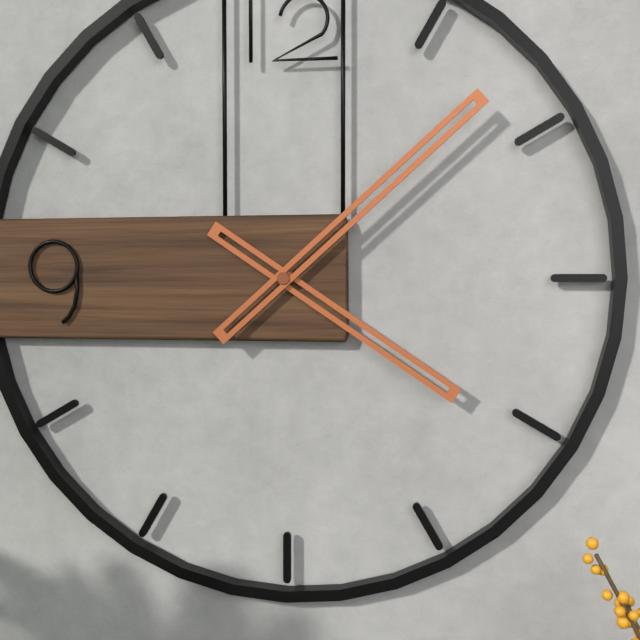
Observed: 4 h 08 min
